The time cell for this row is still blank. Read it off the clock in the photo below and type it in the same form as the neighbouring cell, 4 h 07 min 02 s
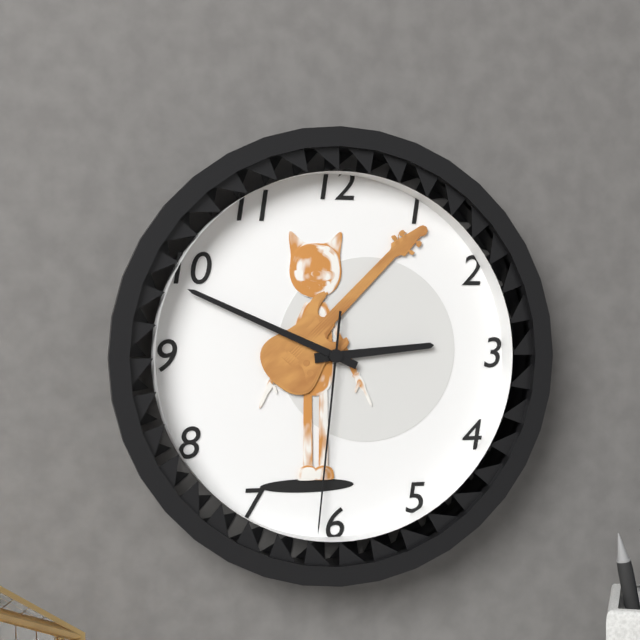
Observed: 2 h 49 min 31 s
